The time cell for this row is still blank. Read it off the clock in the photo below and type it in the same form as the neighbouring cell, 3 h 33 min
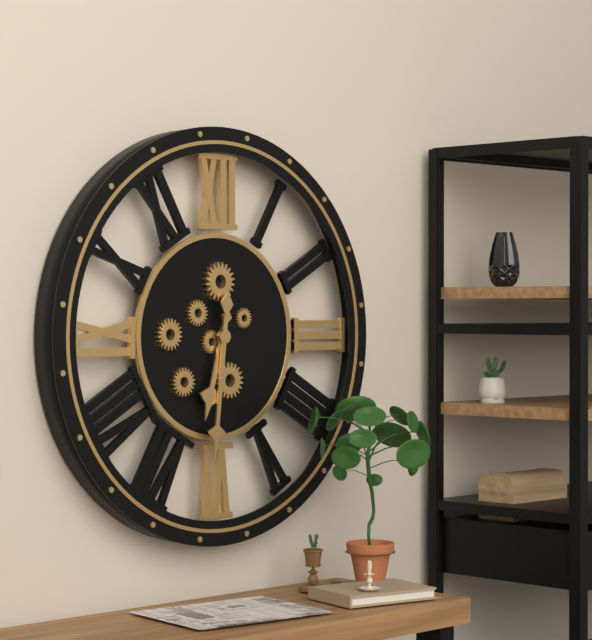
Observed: 6 h 31 min
